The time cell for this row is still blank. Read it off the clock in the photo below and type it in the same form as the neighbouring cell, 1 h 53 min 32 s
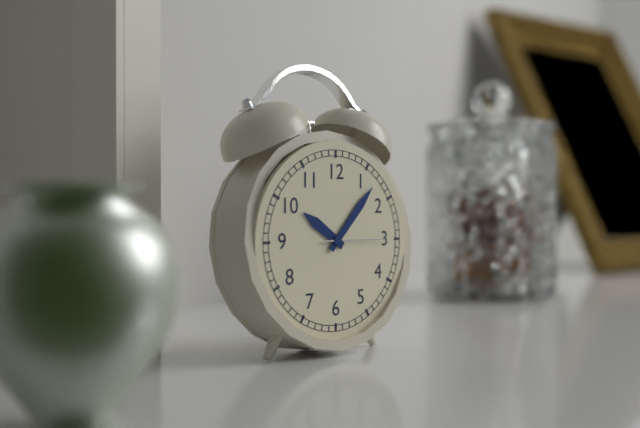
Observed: 10 h 07 min 15 s
